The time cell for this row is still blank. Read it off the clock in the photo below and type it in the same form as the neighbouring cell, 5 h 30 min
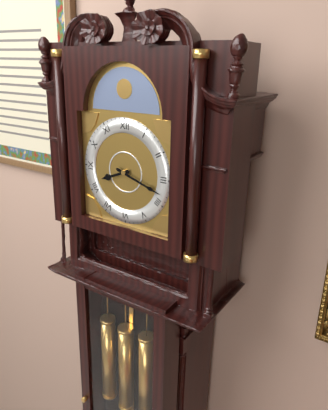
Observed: 8 h 18 min
